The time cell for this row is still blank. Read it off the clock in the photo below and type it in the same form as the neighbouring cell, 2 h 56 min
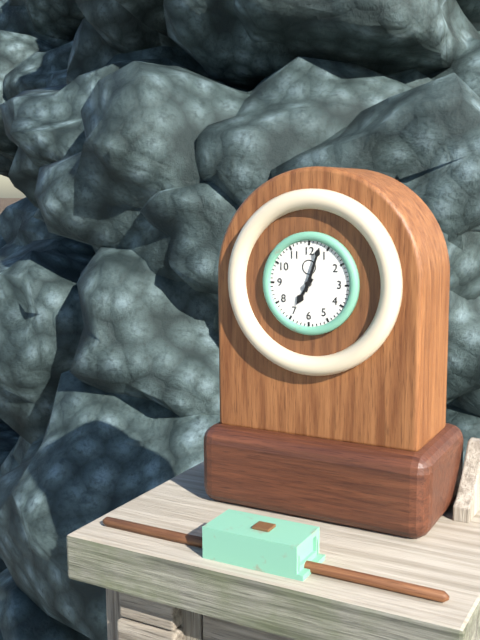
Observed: 7 h 03 min
